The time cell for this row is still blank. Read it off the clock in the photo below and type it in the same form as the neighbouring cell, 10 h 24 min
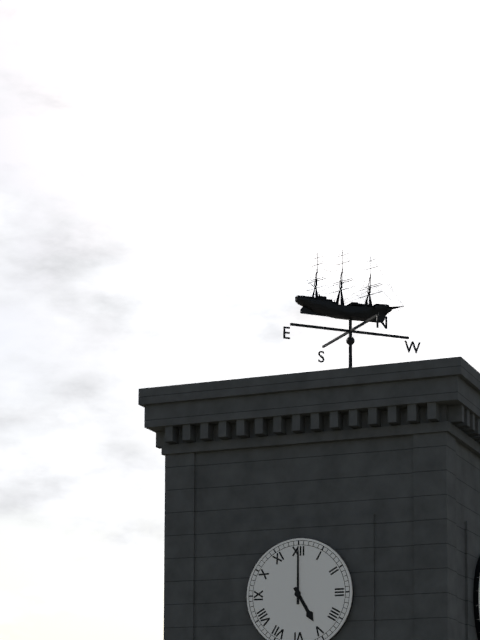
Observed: 5 h 00 min
